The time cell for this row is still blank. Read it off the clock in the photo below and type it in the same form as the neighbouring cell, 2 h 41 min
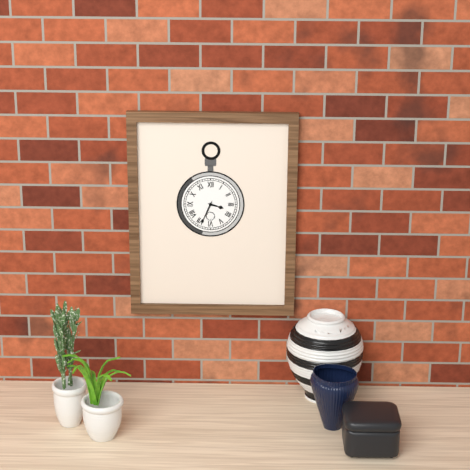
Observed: 3 h 34 min
